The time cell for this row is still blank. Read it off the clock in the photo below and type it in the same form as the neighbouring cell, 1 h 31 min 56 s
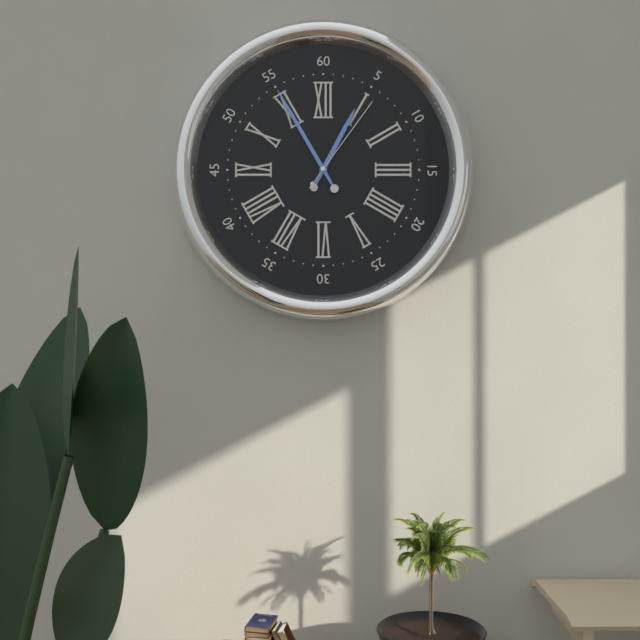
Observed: 12 h 55 min 06 s
